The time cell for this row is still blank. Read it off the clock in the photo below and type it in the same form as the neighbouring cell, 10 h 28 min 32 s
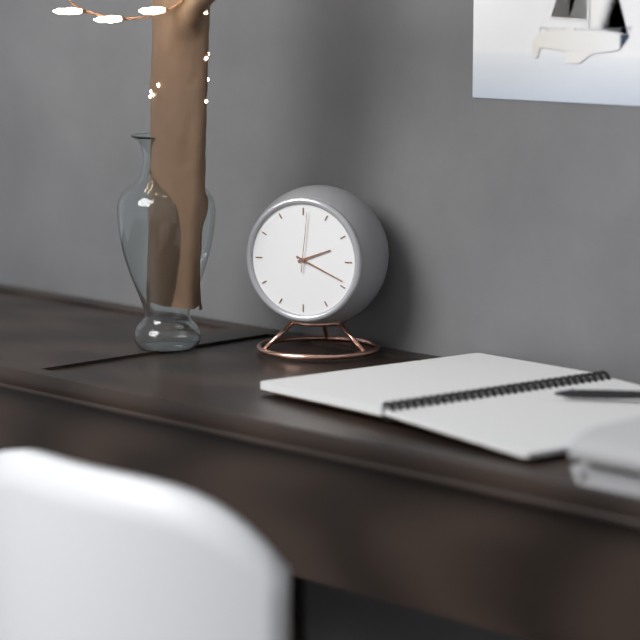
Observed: 2 h 19 min 01 s
